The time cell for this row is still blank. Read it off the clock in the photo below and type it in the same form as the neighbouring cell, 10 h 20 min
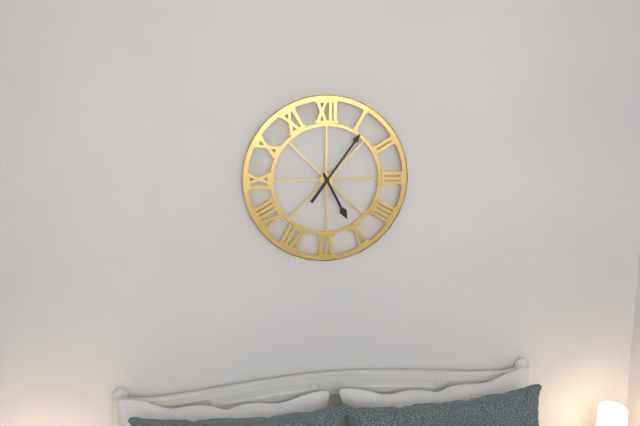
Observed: 5 h 06 min
